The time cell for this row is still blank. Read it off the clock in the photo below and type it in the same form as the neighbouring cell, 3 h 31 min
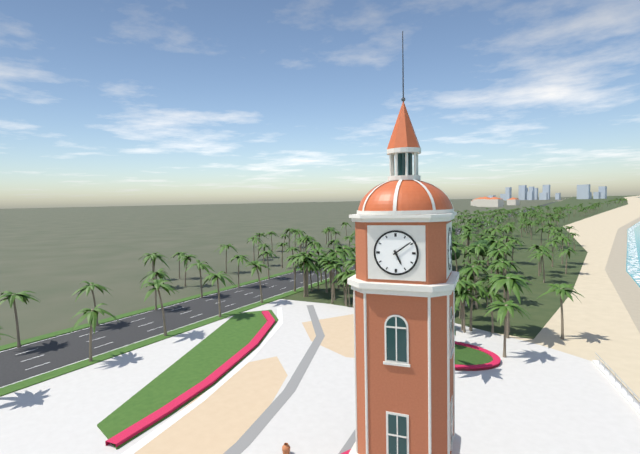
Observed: 5 h 09 min
